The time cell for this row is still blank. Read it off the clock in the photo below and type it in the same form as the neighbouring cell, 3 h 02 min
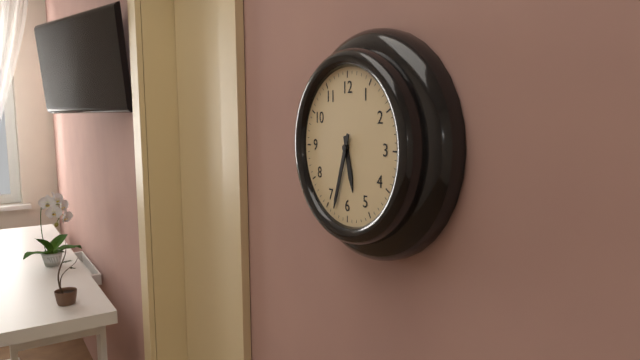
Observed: 5 h 33 min
